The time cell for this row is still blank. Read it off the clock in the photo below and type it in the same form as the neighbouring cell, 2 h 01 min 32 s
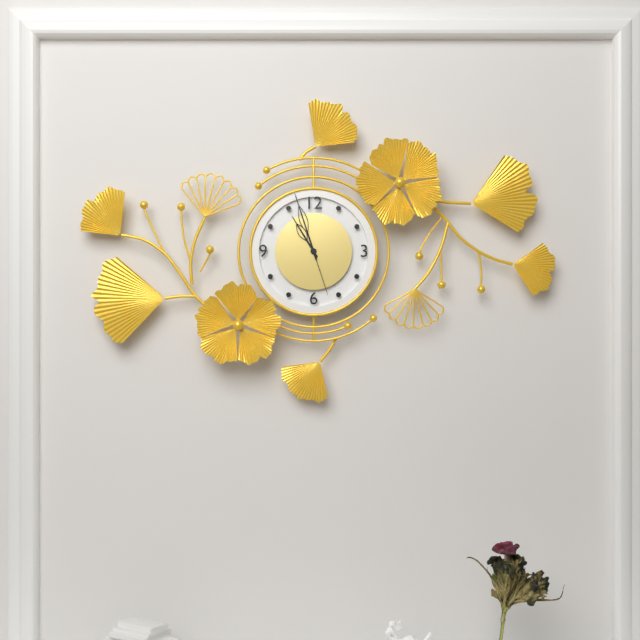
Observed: 10 h 57 min 27 s
